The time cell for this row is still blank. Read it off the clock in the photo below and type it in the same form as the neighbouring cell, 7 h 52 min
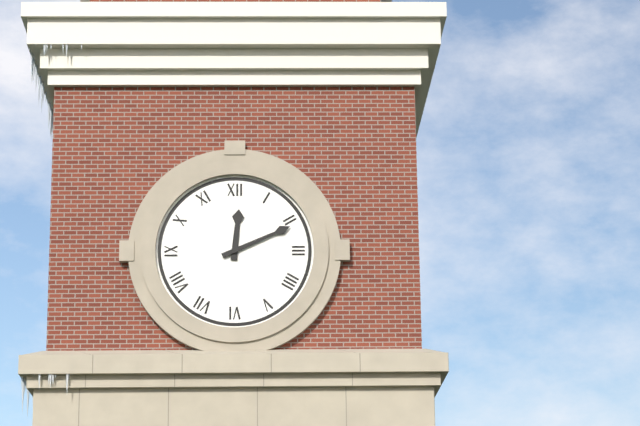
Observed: 12 h 11 min
